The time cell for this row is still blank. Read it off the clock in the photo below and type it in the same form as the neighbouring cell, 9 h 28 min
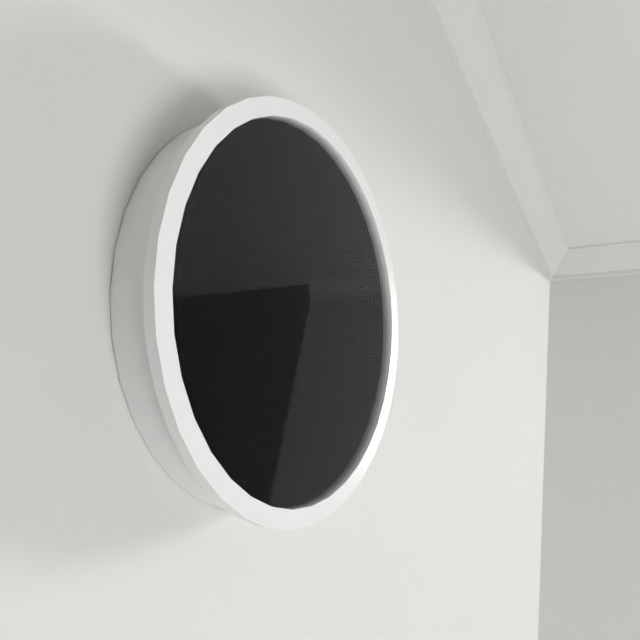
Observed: 4 h 56 min
